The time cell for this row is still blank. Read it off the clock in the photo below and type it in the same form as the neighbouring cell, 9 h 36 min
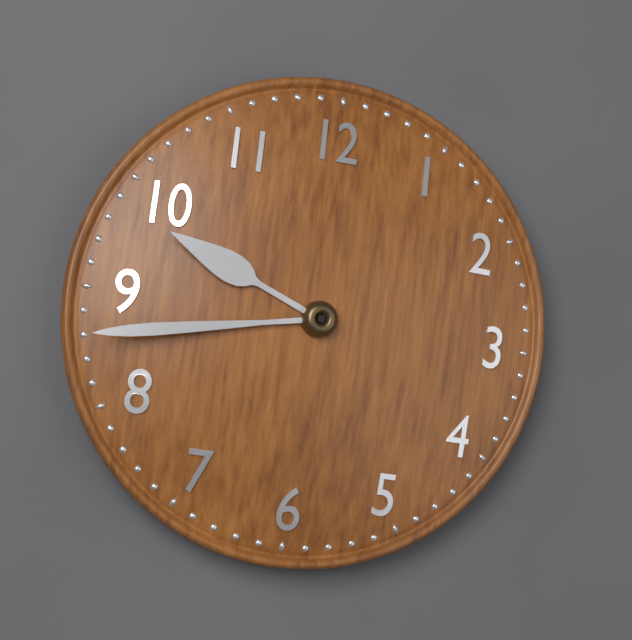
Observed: 9 h 43 min
